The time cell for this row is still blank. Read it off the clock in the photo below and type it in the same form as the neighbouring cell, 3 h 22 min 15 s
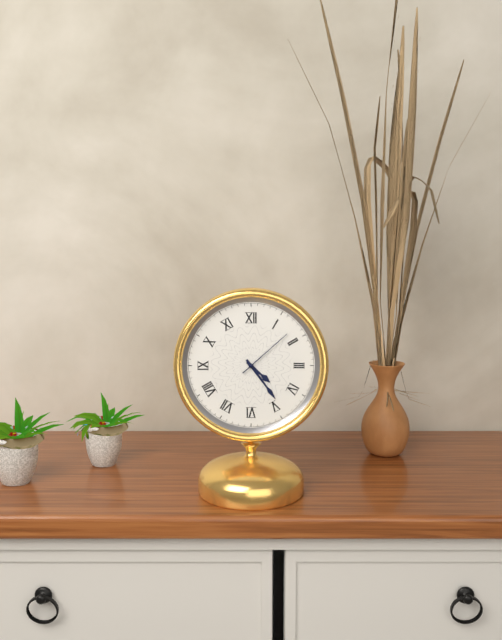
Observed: 4 h 24 min 08 s
